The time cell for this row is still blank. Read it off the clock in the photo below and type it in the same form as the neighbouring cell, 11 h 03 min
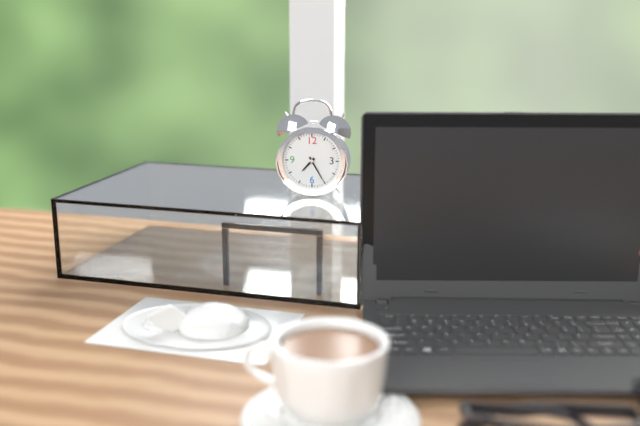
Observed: 7 h 25 min
